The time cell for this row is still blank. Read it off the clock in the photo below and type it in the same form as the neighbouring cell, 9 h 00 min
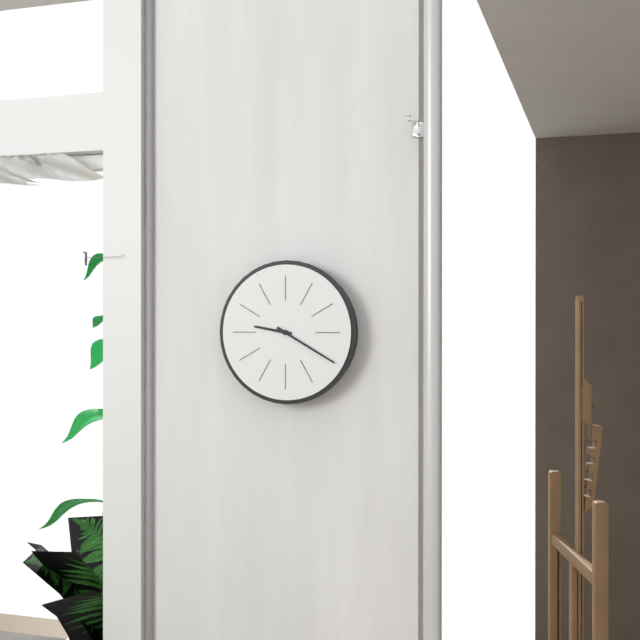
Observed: 9 h 20 min
